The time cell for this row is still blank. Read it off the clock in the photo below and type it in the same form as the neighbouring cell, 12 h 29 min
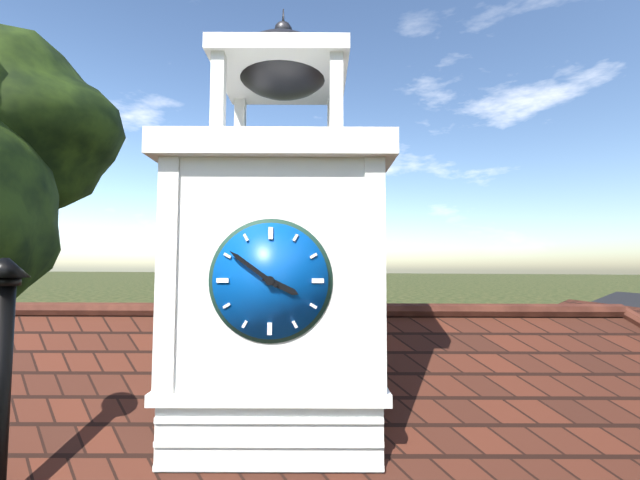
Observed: 3 h 51 min
